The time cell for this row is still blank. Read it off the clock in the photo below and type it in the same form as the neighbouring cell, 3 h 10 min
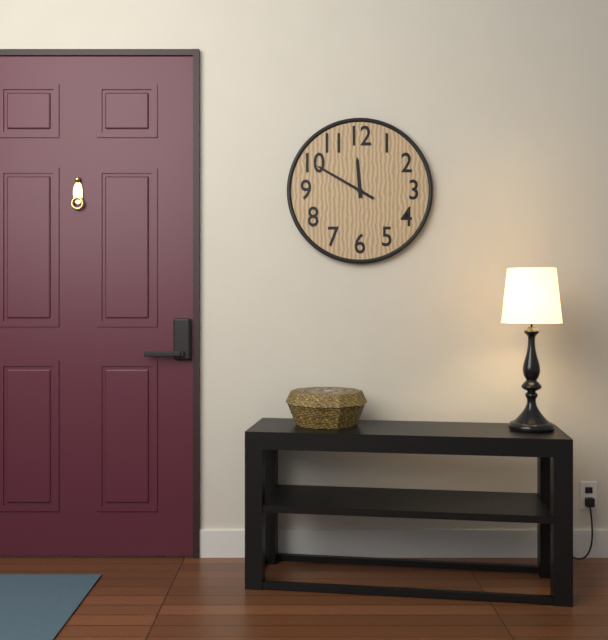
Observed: 11 h 50 min
